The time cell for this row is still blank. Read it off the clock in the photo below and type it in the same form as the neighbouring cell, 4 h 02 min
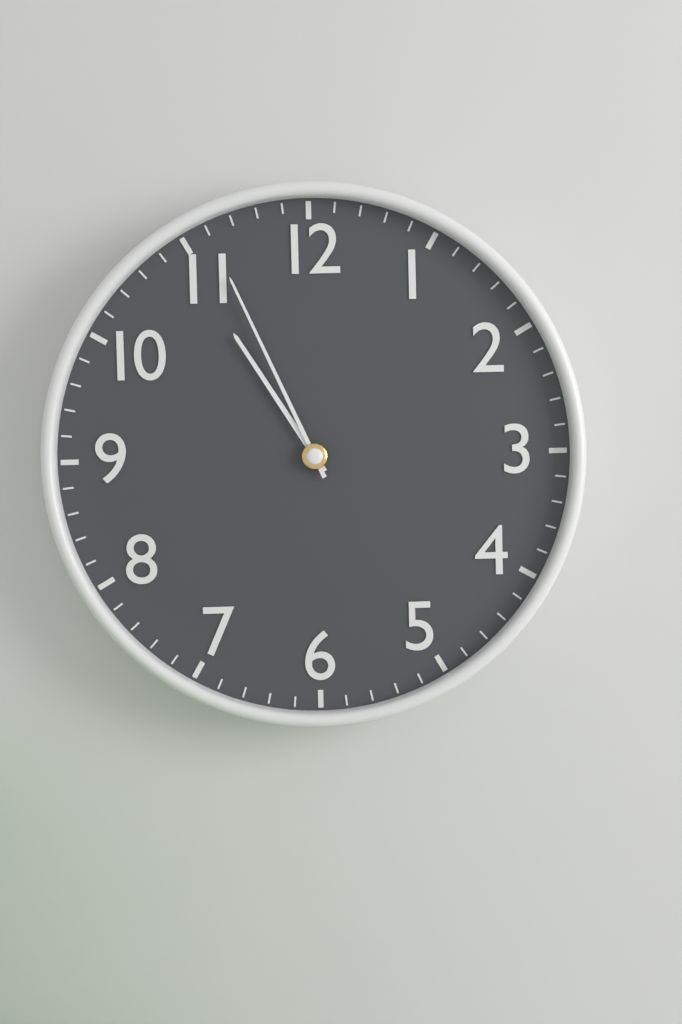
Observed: 10 h 56 min
